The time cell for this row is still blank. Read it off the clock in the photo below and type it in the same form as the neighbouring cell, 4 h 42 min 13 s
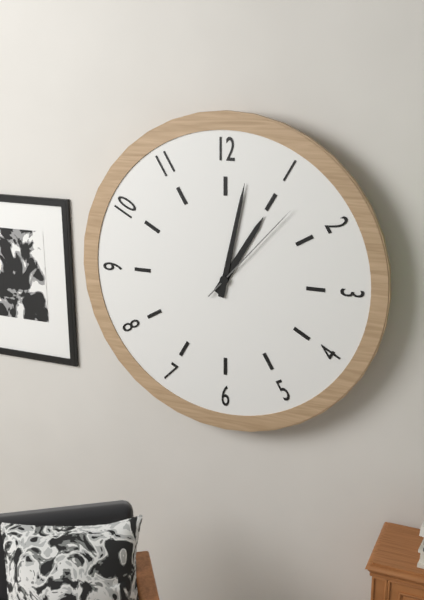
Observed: 1 h 02 min 07 s
